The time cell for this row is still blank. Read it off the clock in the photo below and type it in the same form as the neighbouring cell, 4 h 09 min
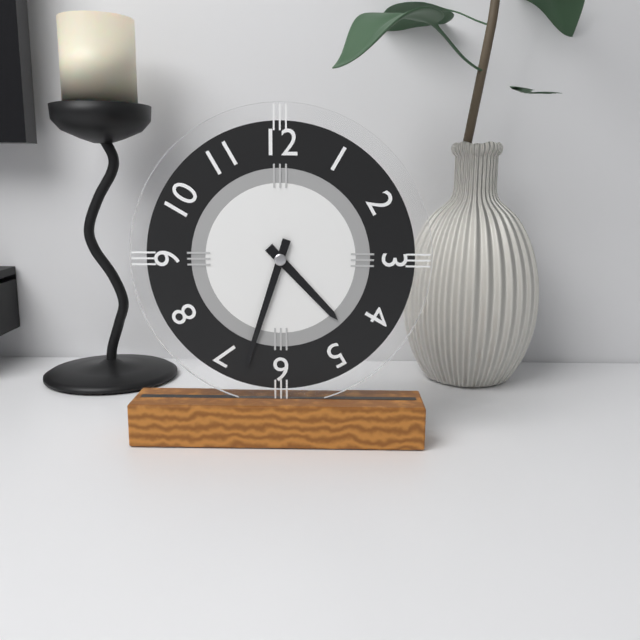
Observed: 4 h 33 min
